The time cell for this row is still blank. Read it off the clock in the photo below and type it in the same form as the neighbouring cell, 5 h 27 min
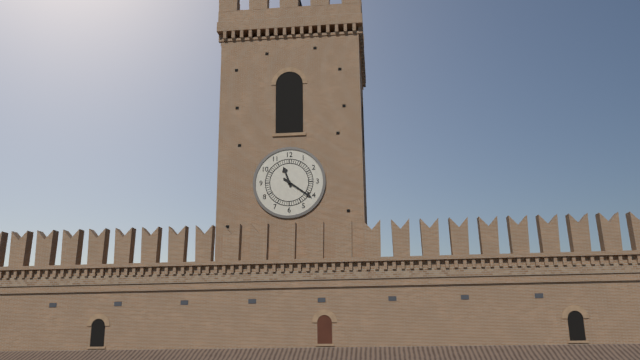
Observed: 11 h 21 min
